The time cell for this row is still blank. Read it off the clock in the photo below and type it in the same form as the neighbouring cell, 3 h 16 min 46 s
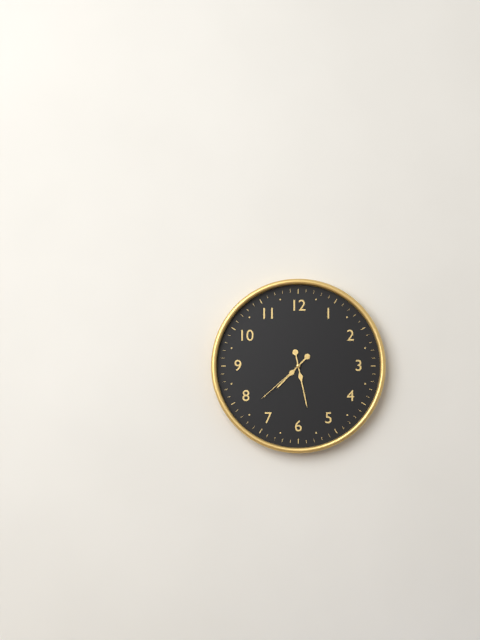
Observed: 7 h 28 min 38 s
